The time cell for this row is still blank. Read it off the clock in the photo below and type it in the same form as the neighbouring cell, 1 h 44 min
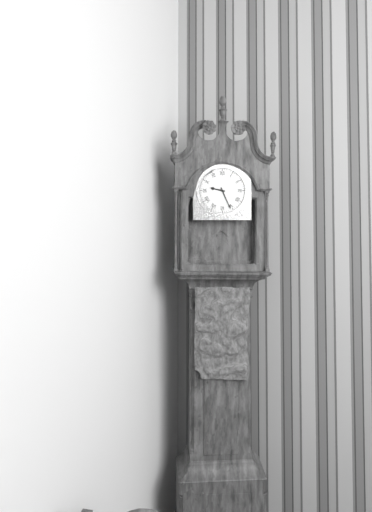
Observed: 9 h 26 min
